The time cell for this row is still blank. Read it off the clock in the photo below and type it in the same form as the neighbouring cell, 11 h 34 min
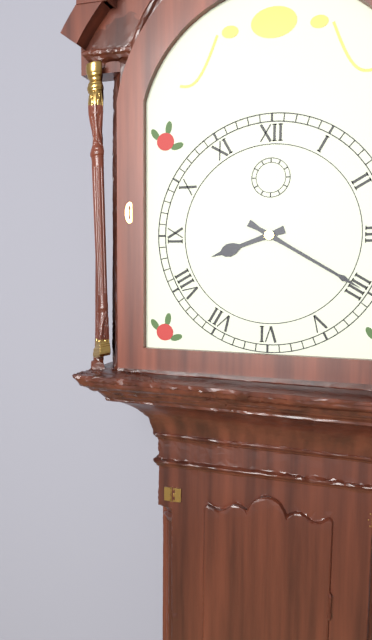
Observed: 8 h 20 min
